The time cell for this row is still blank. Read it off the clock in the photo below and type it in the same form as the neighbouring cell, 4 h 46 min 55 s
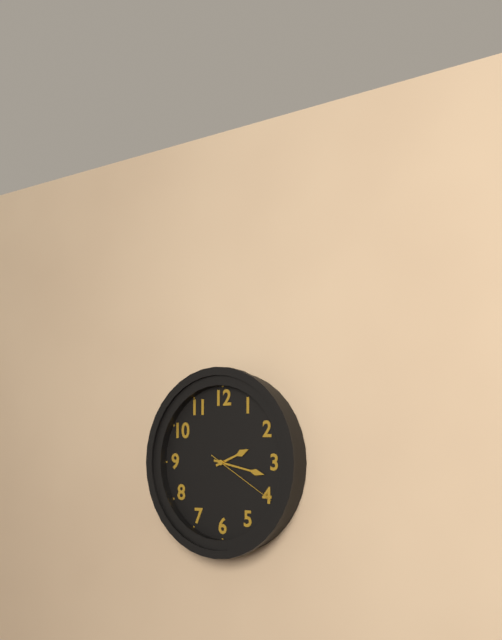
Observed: 2 h 17 min 20 s
